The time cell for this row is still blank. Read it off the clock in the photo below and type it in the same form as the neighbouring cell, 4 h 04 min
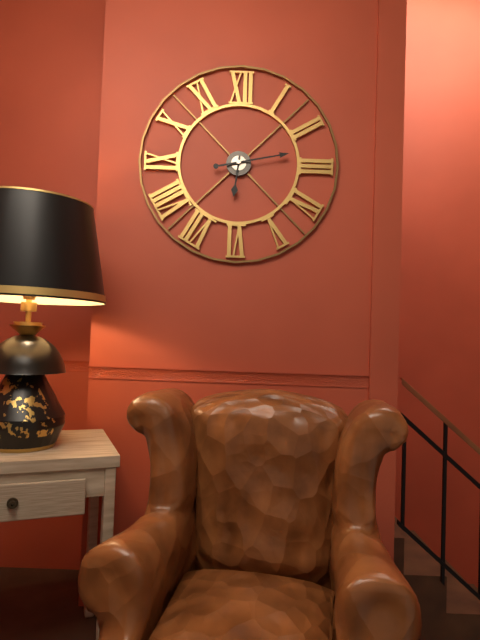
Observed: 6 h 13 min
